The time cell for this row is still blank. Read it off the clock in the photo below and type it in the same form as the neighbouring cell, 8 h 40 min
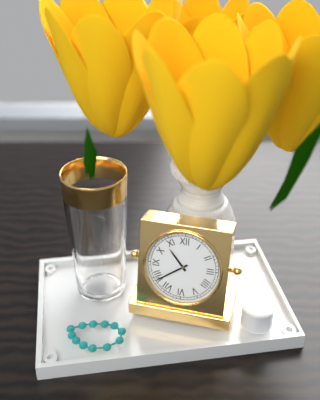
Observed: 10 h 39 min
